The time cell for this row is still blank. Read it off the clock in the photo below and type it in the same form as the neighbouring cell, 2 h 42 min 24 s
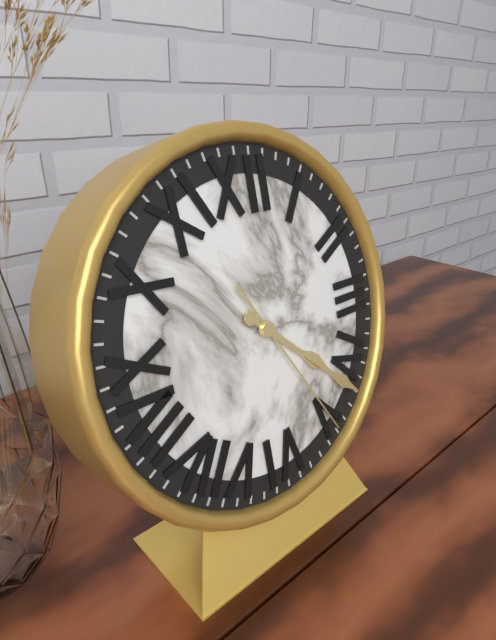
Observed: 4 h 22 min 25 s
